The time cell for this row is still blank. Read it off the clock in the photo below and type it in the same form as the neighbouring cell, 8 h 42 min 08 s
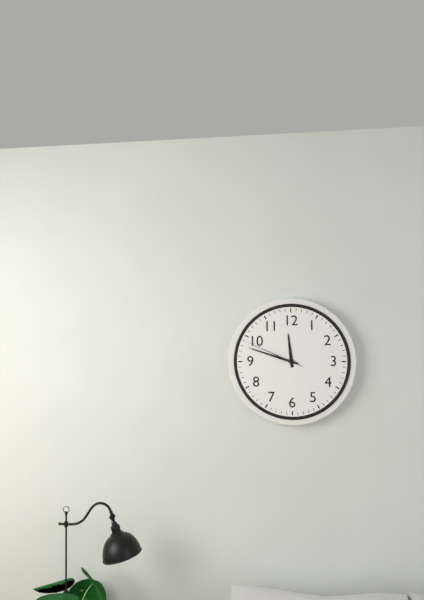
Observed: 11 h 48 min 49 s
